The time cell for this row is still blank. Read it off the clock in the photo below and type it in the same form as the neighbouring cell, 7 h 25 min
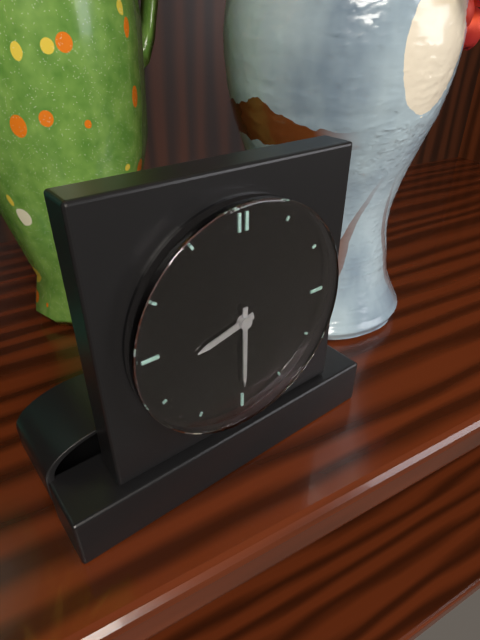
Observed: 8 h 30 min
